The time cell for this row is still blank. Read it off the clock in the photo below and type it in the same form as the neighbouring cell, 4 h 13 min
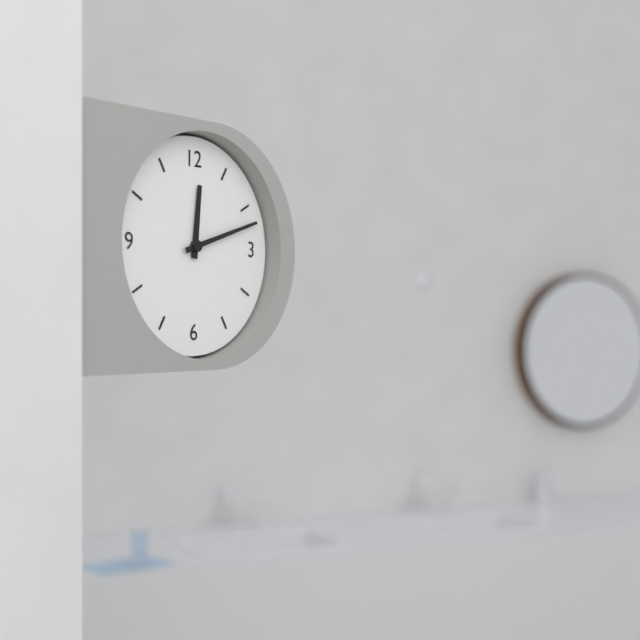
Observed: 12 h 12 min
